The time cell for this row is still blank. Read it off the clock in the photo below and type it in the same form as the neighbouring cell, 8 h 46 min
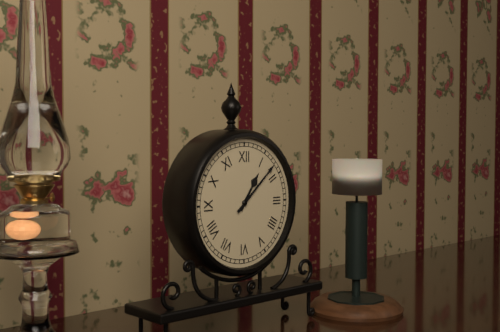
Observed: 1 h 08 min
